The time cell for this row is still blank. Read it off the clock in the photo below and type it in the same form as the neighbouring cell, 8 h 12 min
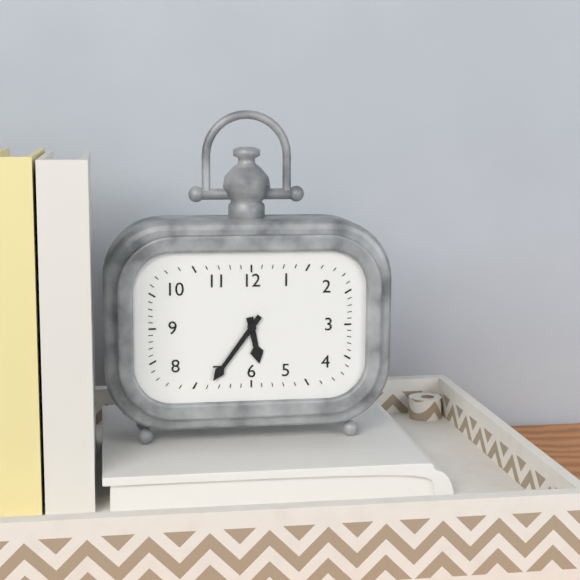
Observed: 5 h 36 min
